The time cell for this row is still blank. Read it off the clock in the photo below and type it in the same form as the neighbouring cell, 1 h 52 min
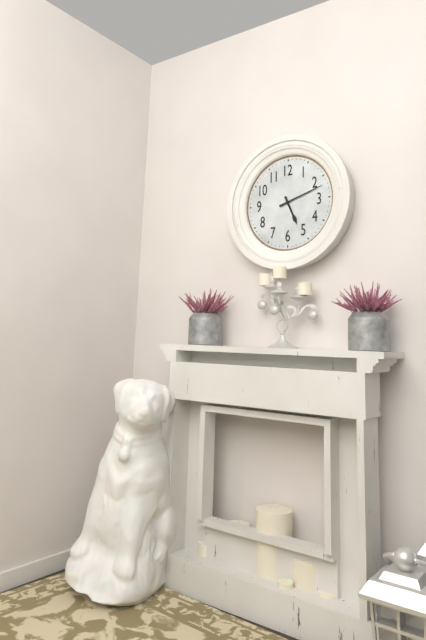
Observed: 5 h 12 min
